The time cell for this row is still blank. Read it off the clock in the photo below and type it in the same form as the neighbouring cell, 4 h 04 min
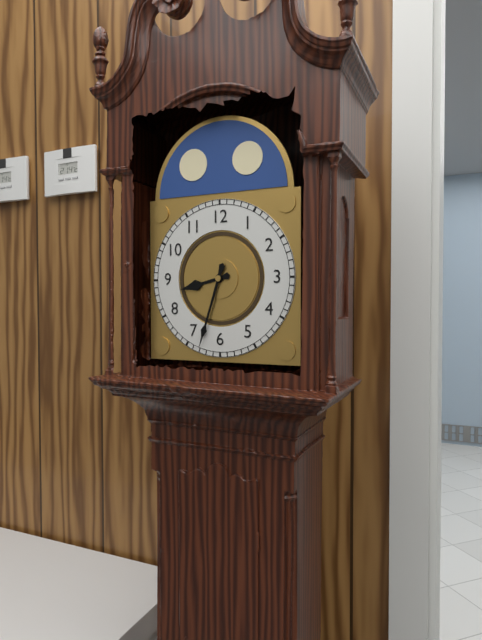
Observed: 8 h 33 min
